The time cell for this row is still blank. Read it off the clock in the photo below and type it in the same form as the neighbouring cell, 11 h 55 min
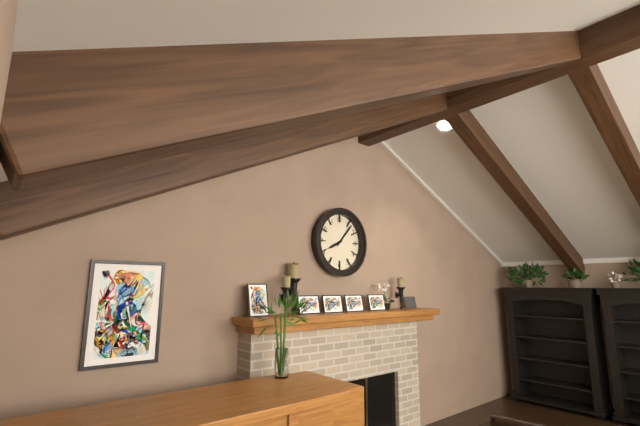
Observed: 8 h 07 min
